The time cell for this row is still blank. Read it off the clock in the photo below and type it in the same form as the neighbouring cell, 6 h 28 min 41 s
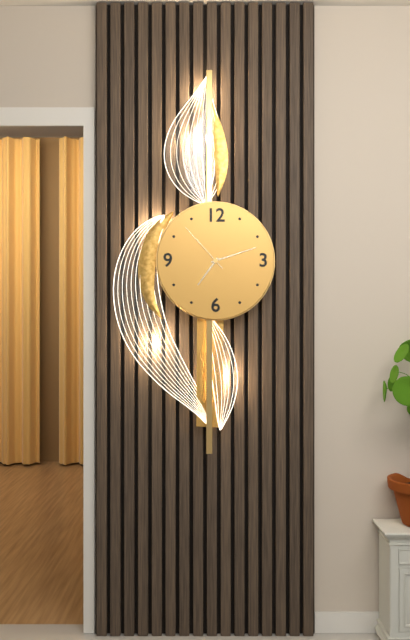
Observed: 7 h 12 min 53 s
